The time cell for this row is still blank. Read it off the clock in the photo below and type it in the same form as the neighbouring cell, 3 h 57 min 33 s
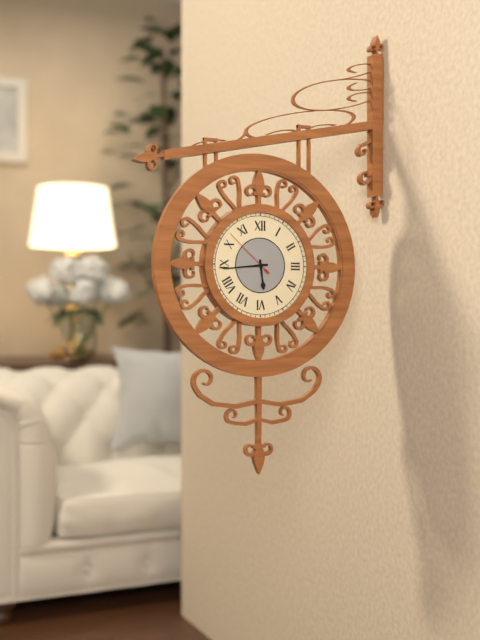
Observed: 5 h 44 min 52 s
